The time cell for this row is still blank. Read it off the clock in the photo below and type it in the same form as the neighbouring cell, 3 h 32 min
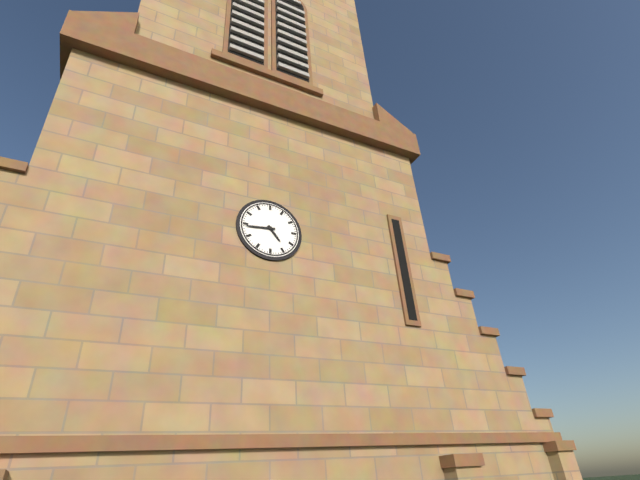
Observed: 4 h 44 min
